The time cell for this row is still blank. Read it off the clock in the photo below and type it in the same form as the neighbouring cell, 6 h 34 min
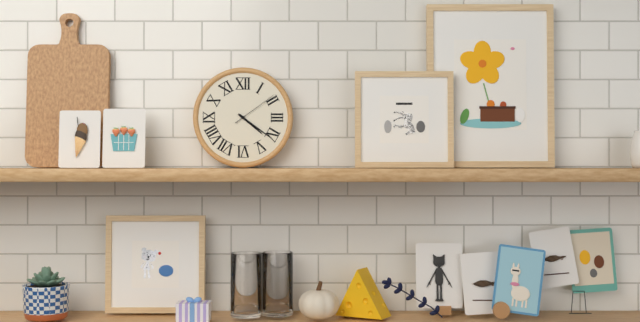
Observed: 4 h 21 min
